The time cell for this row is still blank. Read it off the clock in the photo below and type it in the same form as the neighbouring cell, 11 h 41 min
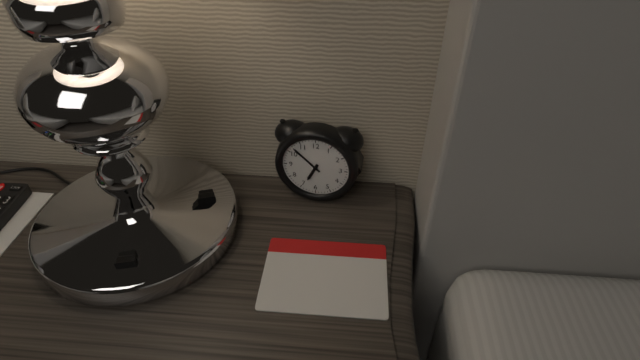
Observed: 6 h 52 min
